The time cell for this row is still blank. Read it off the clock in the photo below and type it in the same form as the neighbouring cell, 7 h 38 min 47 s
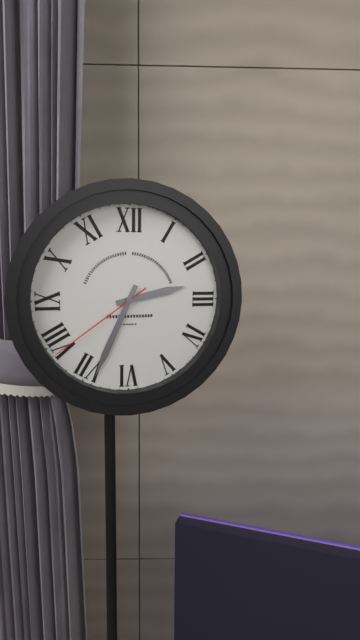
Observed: 2 h 34 min 39 s
